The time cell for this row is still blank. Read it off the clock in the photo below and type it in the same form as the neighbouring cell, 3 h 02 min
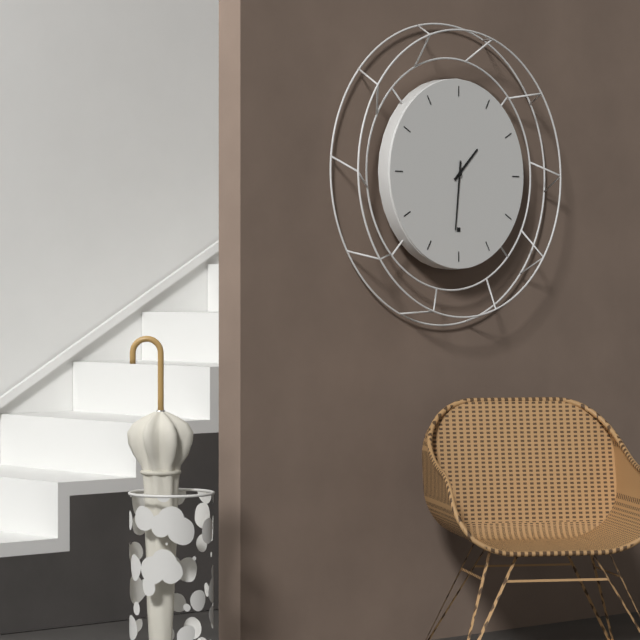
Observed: 1 h 31 min
